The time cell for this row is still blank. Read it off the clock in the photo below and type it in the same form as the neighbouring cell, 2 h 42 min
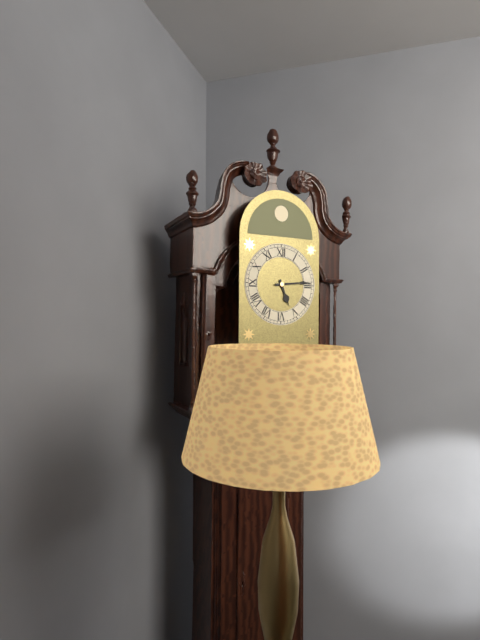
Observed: 5 h 14 min
